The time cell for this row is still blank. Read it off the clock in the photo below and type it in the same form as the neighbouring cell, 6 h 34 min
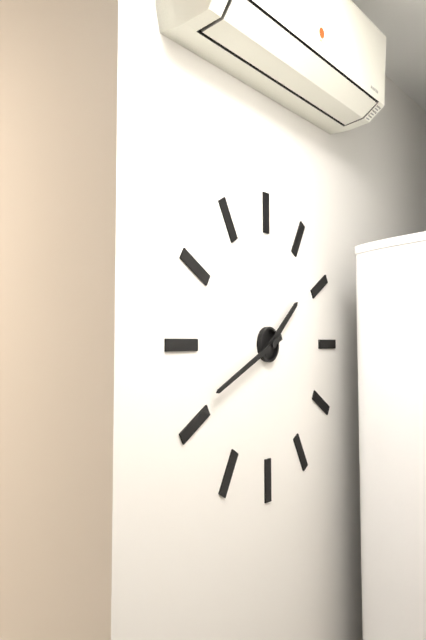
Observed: 1 h 41 min
